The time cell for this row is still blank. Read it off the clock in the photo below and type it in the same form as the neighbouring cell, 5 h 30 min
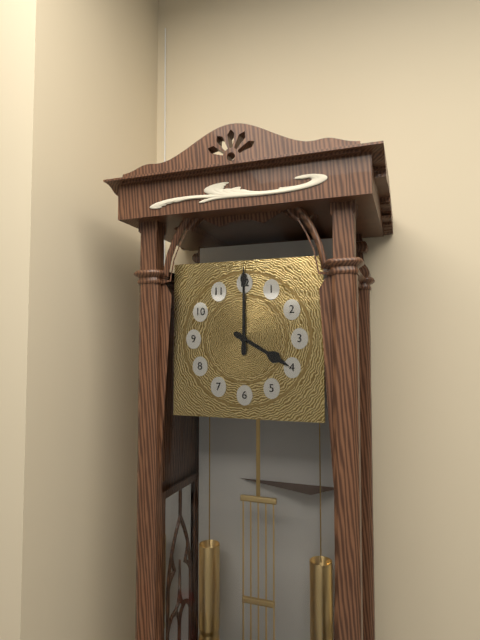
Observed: 4 h 00 min
